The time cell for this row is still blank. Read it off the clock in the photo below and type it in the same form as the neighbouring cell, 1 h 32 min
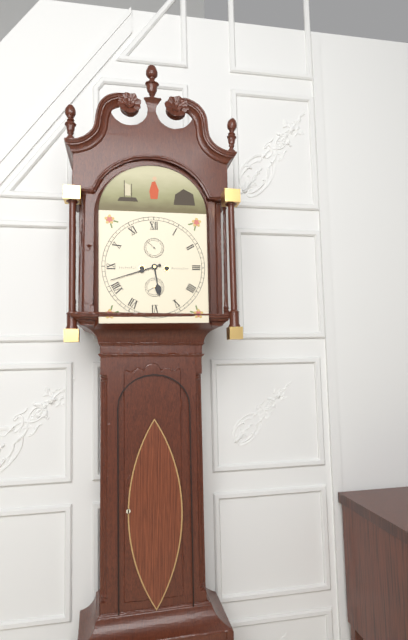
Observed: 5 h 42 min
